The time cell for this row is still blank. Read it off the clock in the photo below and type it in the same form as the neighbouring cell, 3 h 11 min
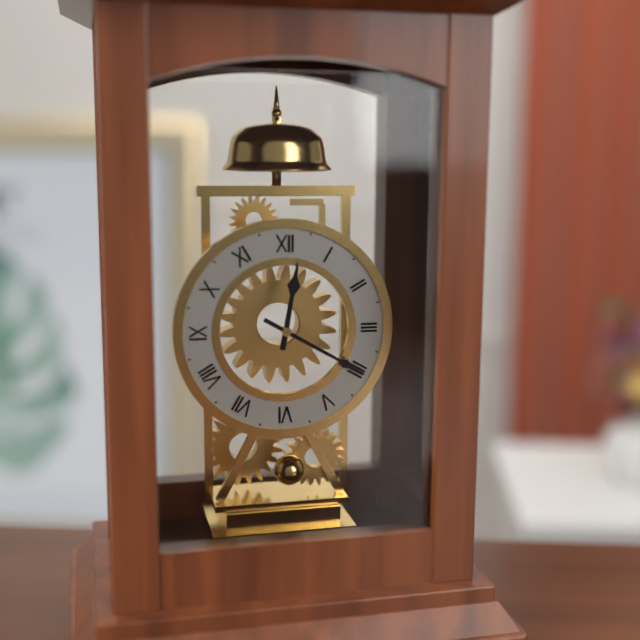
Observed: 12 h 20 min
